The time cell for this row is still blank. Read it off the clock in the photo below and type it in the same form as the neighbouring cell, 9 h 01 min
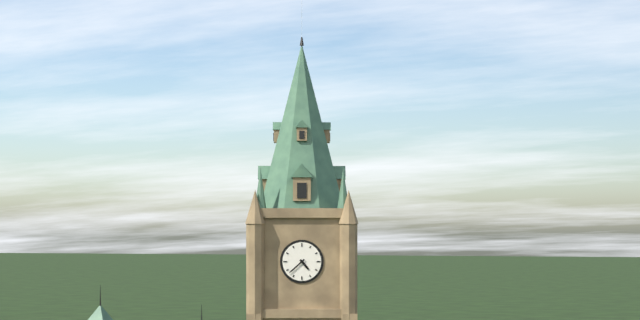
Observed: 4 h 38 min
